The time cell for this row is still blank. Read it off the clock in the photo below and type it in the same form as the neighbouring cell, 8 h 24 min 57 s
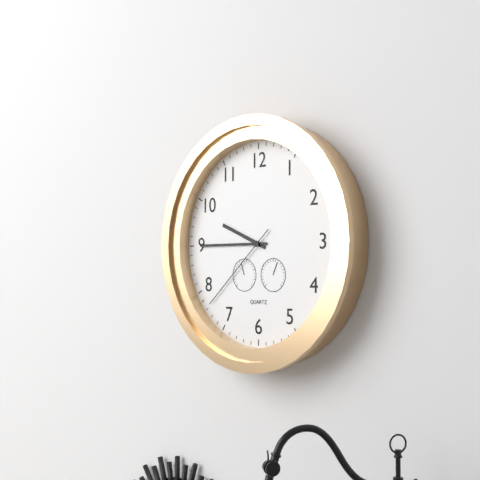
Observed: 9 h 45 min 38 s
